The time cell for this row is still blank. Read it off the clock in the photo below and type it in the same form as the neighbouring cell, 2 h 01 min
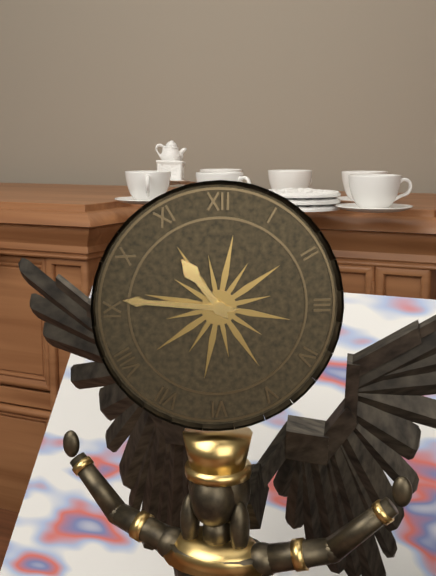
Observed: 10 h 46 min
